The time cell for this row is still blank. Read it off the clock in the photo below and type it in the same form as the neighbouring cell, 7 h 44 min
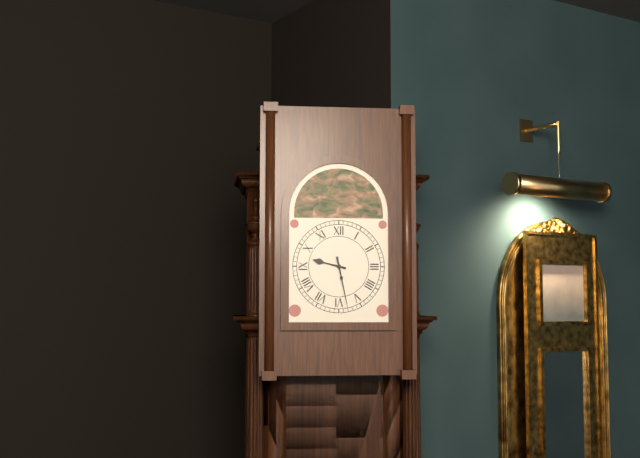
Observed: 9 h 28 min
